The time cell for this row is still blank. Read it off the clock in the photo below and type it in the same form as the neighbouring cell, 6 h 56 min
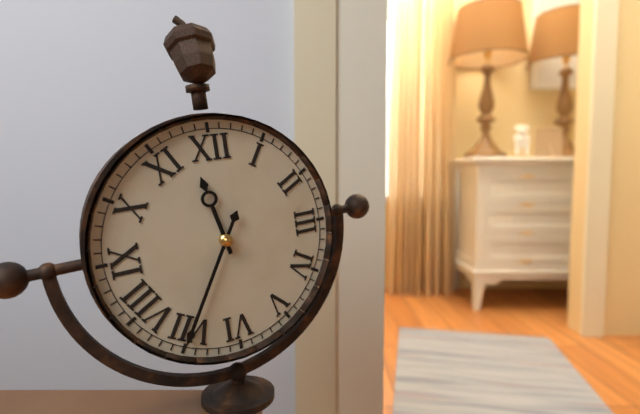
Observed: 11 h 35 min
